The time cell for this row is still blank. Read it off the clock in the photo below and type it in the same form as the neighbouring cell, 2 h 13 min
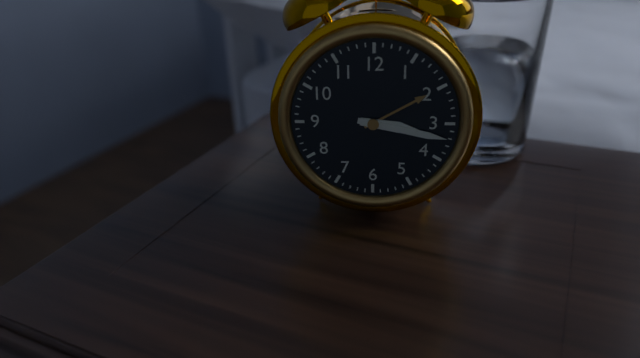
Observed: 3 h 17 min
